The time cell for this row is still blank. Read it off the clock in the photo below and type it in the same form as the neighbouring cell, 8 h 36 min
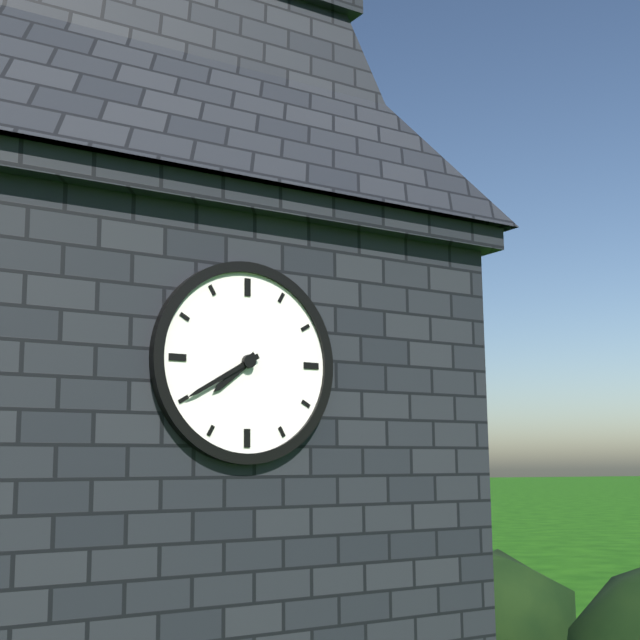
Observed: 7 h 40 min
